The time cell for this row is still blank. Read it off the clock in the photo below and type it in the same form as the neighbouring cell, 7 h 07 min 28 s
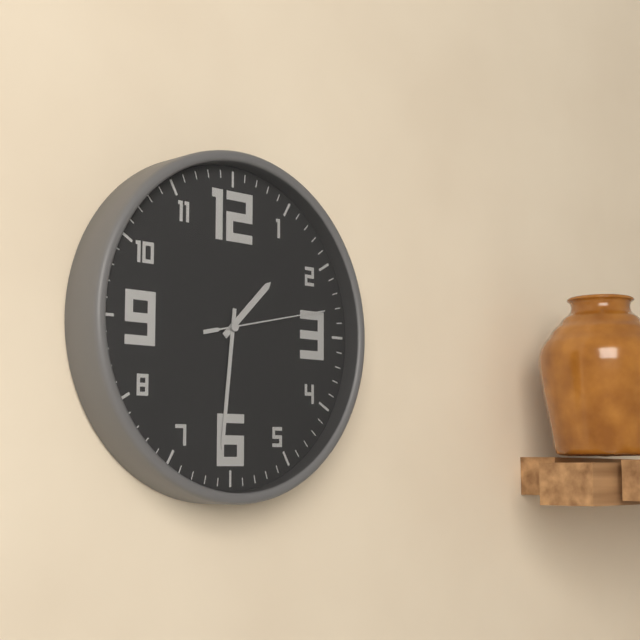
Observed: 1 h 31 min 13 s
